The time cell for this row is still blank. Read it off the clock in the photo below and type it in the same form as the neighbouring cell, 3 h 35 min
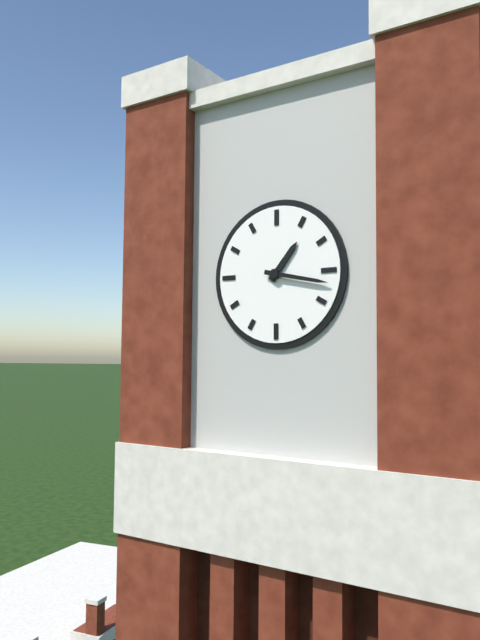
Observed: 1 h 17 min
